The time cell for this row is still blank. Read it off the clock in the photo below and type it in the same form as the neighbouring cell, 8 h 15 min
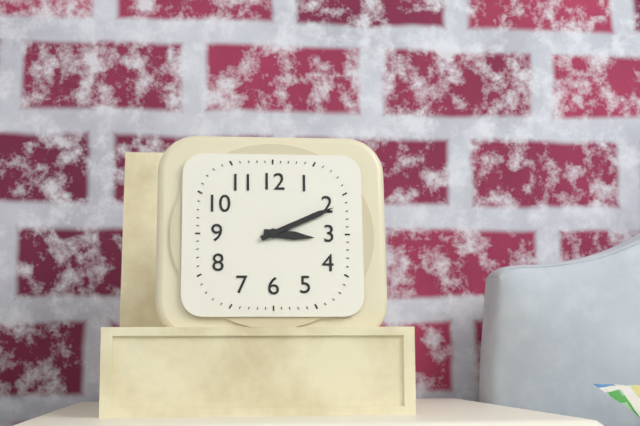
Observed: 3 h 11 min
